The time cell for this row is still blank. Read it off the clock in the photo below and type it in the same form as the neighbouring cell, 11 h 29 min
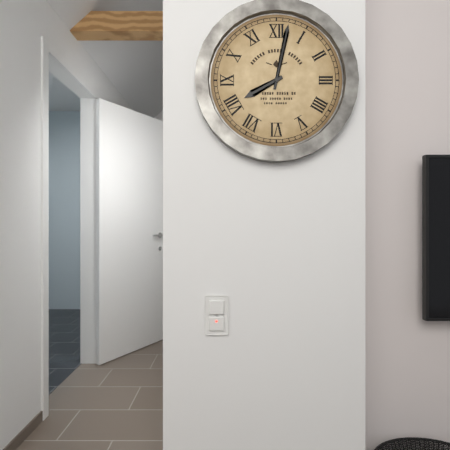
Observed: 8 h 02 min
